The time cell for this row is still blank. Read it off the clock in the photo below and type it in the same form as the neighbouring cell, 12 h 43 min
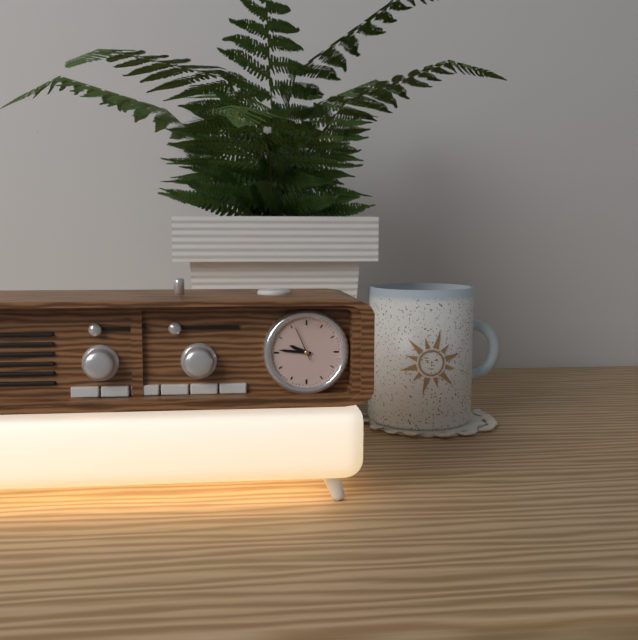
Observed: 9 h 46 min
